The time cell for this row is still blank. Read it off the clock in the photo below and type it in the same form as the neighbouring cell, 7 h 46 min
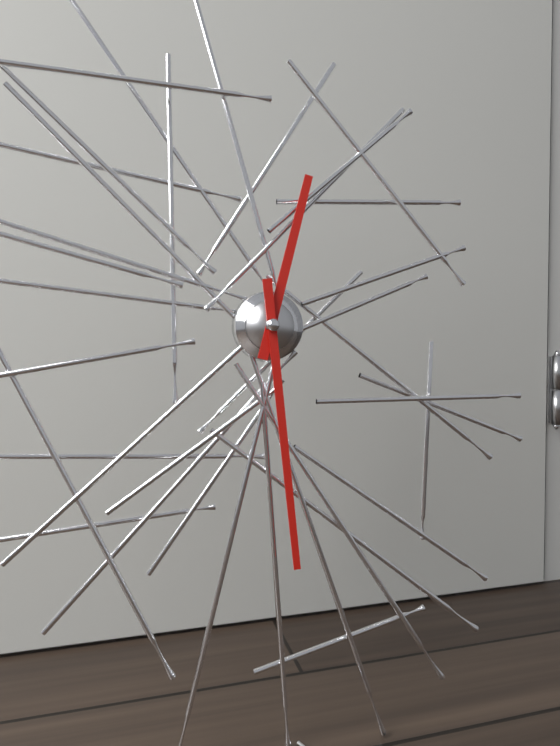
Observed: 12 h 29 min
